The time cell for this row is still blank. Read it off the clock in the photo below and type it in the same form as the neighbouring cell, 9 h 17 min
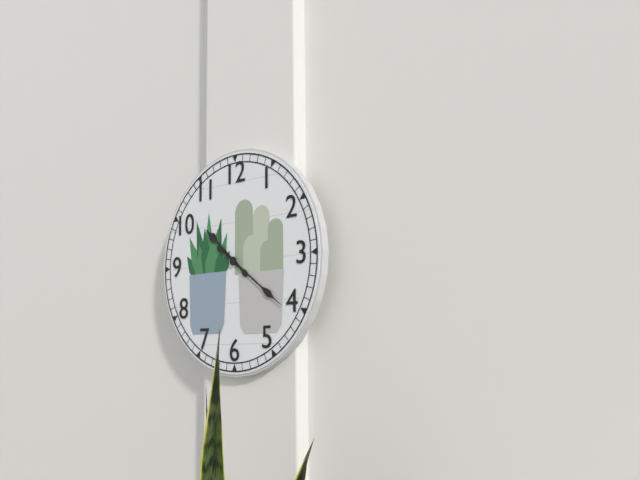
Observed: 10 h 21 min
